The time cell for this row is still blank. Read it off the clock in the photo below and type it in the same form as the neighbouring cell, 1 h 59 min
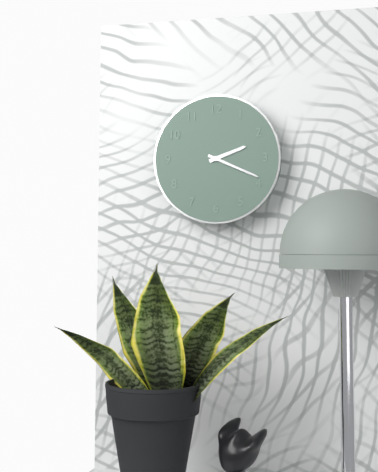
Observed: 2 h 19 min
